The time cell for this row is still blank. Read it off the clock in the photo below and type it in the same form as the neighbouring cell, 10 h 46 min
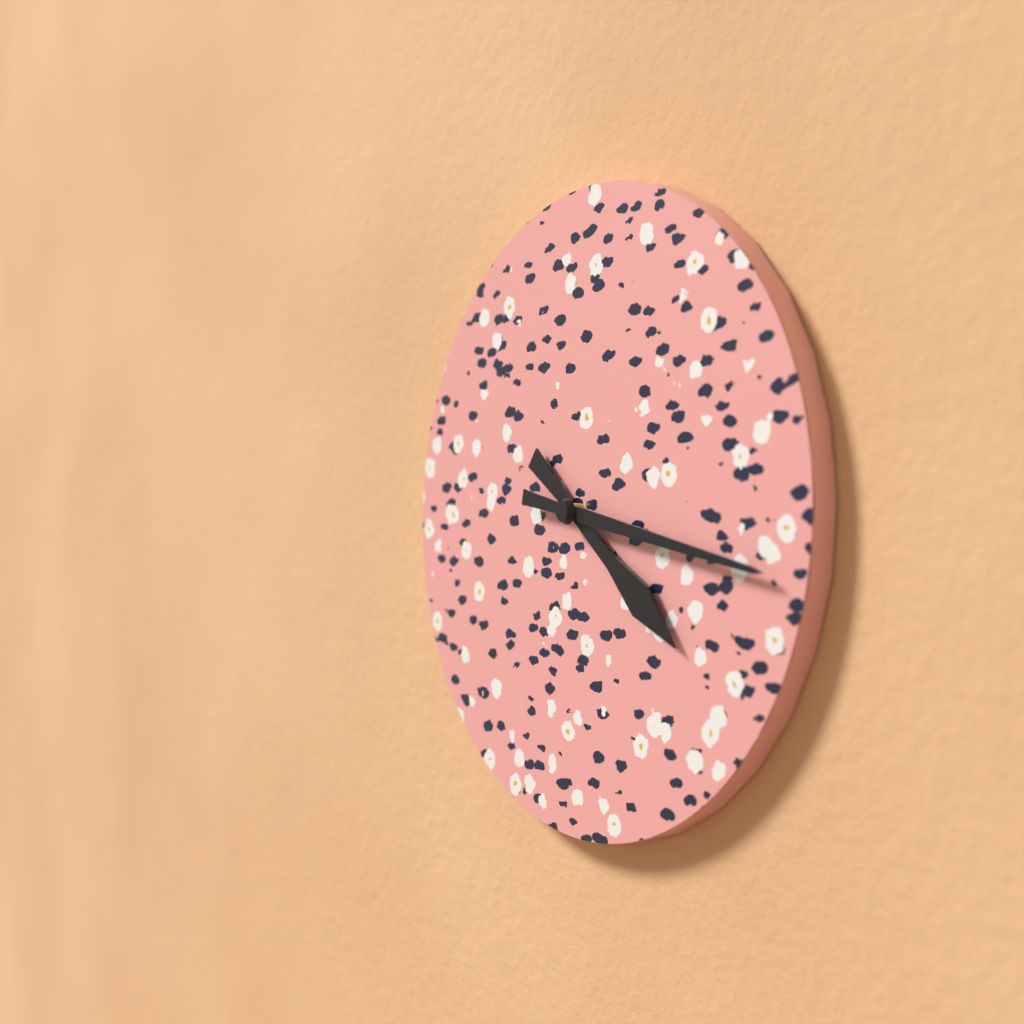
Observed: 4 h 17 min
